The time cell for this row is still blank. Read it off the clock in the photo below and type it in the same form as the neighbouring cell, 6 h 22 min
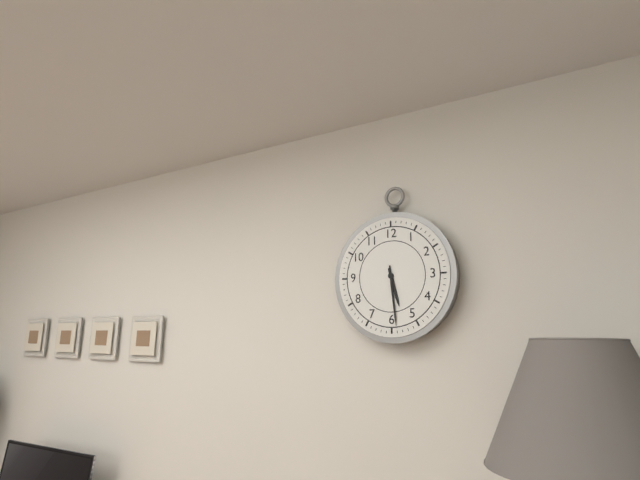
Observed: 5 h 29 min
